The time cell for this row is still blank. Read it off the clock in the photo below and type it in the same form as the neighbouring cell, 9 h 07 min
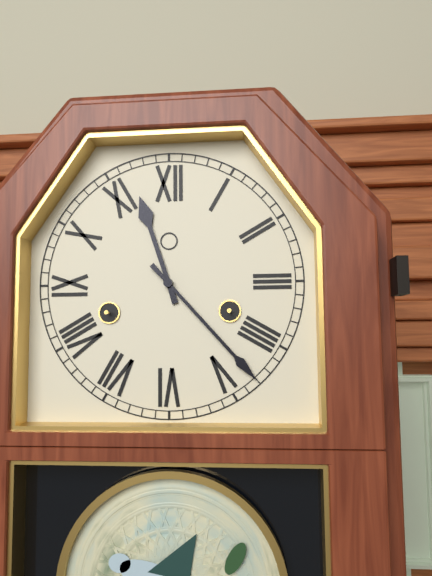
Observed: 11 h 23 min
